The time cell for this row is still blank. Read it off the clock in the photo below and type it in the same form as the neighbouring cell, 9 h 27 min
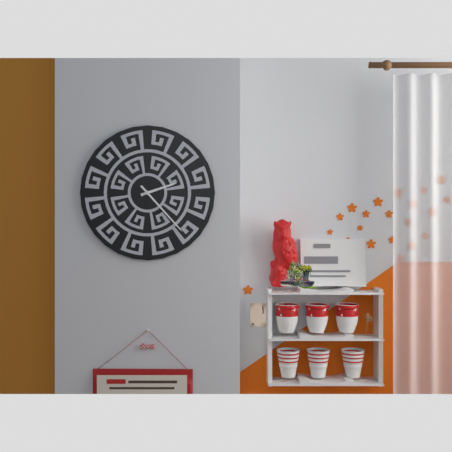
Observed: 2 h 23 min
